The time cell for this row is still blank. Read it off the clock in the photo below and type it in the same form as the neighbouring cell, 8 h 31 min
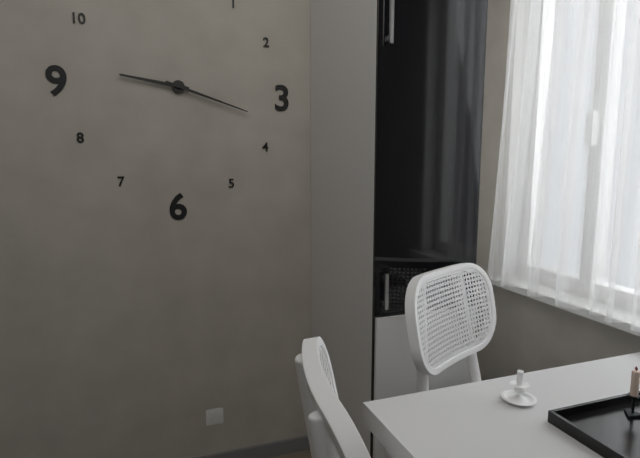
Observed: 9 h 18 min
